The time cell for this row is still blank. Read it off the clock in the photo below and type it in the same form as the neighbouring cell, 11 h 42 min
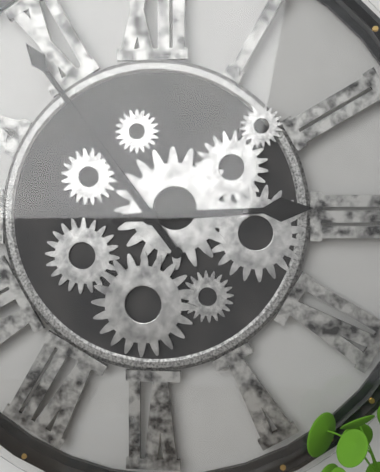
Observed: 2 h 54 min
